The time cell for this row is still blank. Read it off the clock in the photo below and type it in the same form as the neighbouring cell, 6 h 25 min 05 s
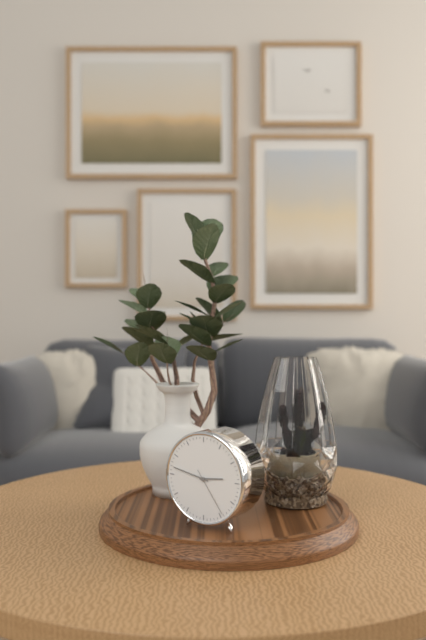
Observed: 2 h 47 min 24 s
